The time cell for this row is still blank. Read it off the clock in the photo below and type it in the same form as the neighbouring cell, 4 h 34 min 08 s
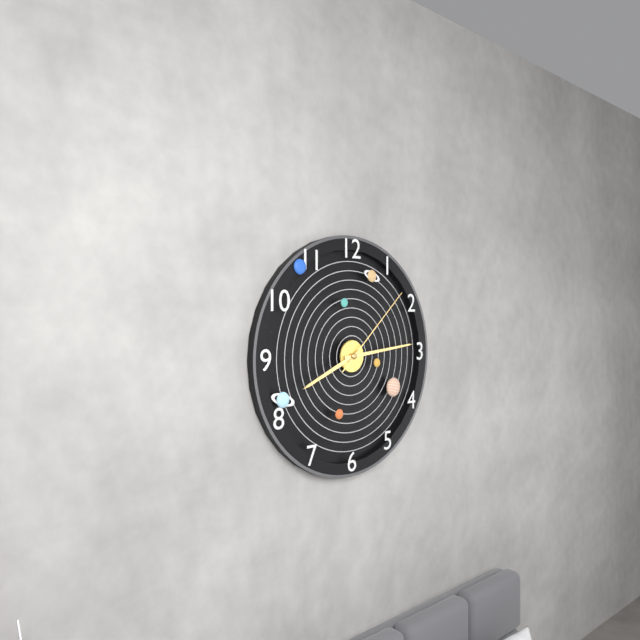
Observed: 8 h 14 min 08 s
